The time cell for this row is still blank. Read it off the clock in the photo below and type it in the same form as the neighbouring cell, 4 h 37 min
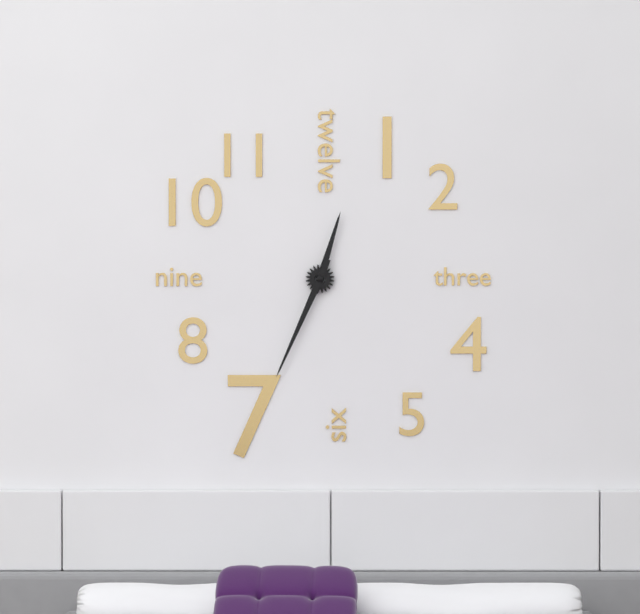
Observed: 12 h 34 min
